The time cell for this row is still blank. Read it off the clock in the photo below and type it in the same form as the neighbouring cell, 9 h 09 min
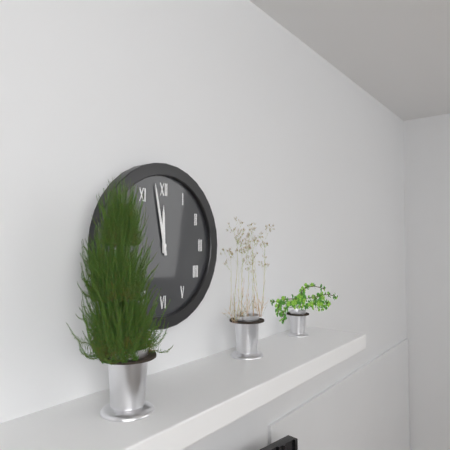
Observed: 11 h 58 min
